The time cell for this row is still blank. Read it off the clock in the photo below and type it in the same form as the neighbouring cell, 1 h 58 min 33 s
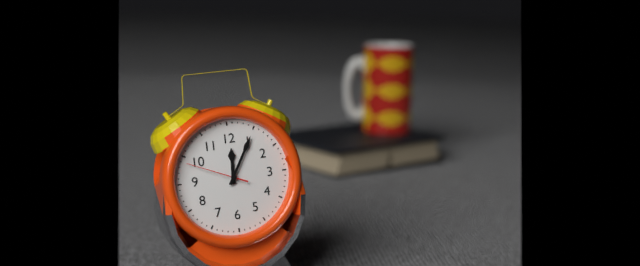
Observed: 12 h 05 min 49 s
